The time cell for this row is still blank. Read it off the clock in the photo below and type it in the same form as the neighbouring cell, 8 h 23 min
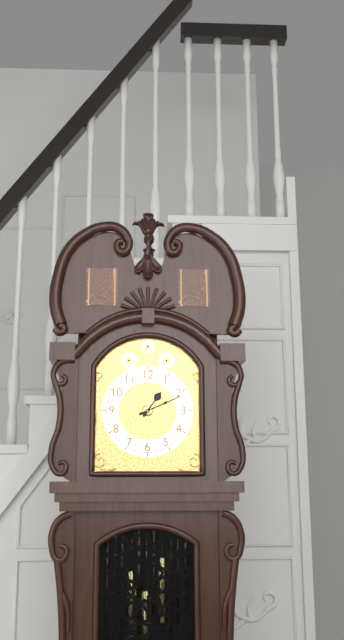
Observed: 1 h 11 min
